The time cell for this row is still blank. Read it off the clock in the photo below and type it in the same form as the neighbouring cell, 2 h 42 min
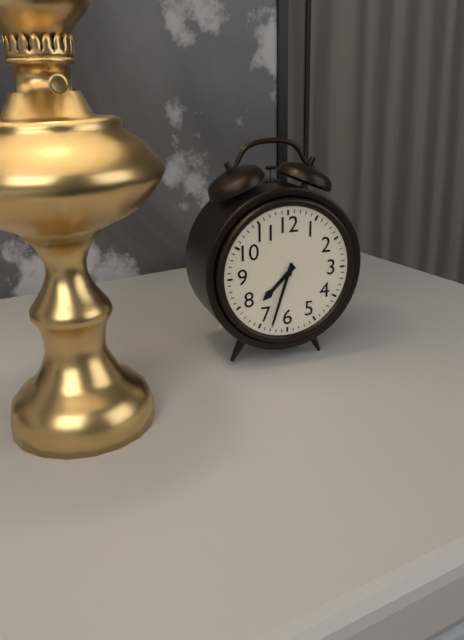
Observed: 7 h 33 min
